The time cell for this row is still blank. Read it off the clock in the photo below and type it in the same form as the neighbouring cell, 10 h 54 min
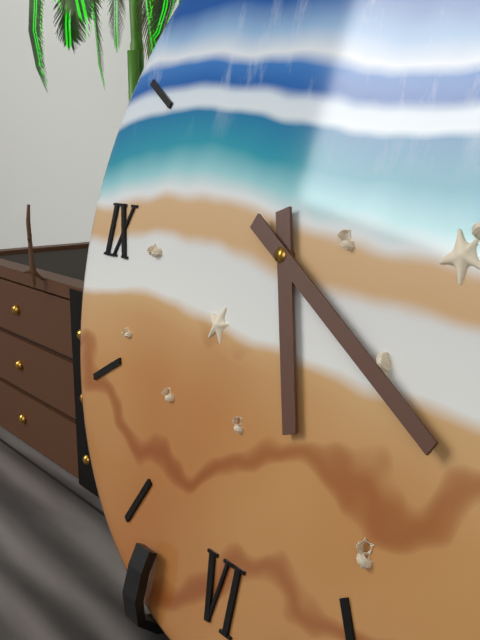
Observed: 5 h 20 min
